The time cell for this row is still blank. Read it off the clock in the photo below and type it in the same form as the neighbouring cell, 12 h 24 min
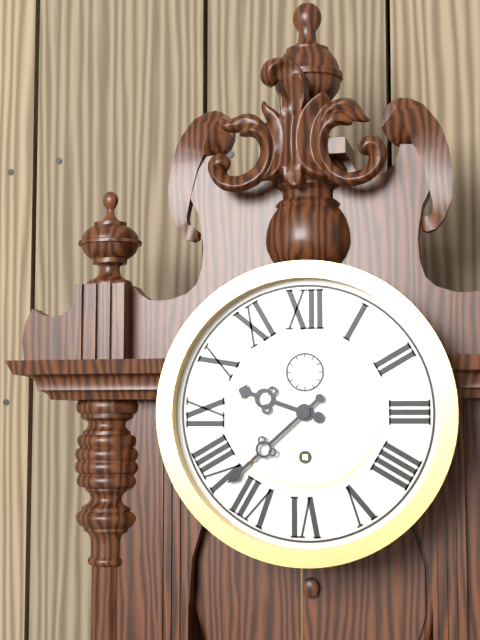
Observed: 9 h 38 min
